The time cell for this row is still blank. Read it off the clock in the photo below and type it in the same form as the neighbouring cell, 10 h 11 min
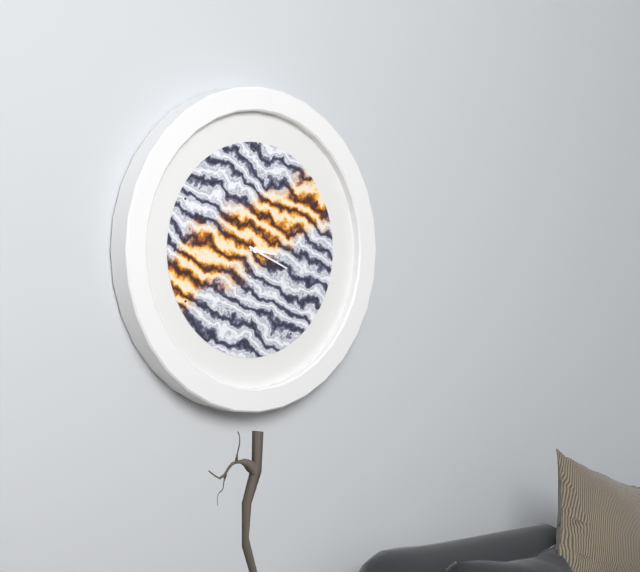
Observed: 3 h 19 min
